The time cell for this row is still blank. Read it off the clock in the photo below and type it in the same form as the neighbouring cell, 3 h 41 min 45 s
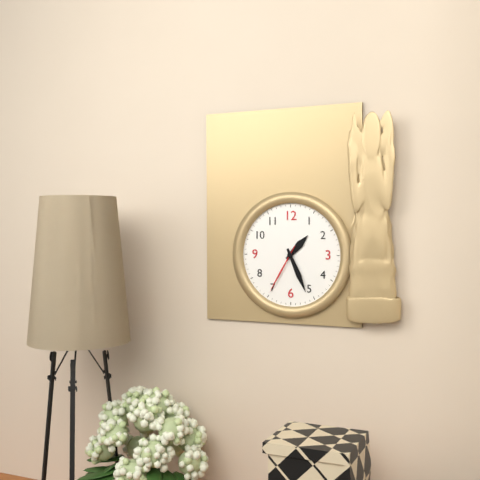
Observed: 1 h 26 min 35 s
